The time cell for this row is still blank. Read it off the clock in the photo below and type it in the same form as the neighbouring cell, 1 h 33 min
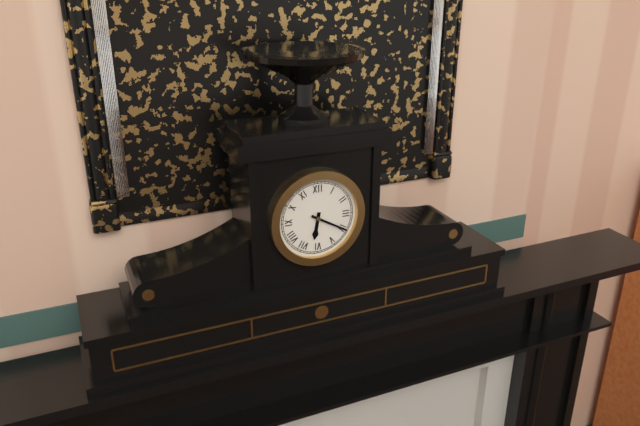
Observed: 6 h 20 min
